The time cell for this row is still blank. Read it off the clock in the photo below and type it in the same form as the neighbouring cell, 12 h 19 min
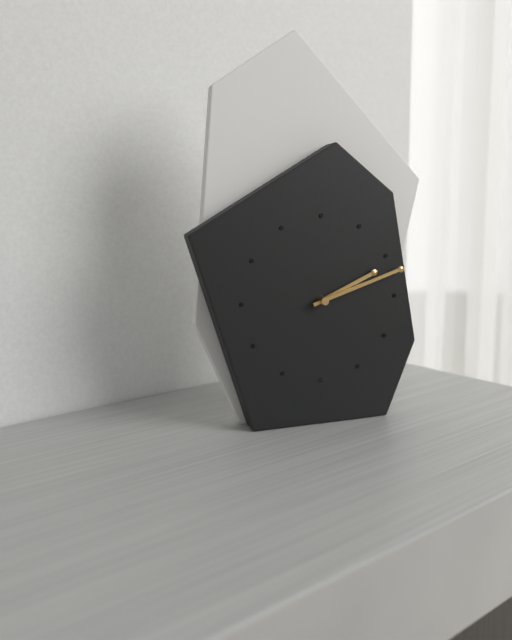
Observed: 2 h 12 min
